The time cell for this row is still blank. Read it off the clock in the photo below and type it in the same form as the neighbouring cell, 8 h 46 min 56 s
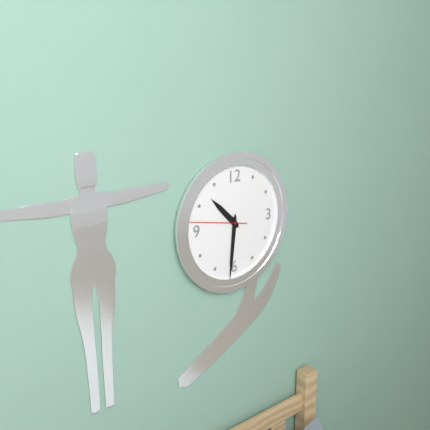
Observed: 10 h 31 min 47 s
